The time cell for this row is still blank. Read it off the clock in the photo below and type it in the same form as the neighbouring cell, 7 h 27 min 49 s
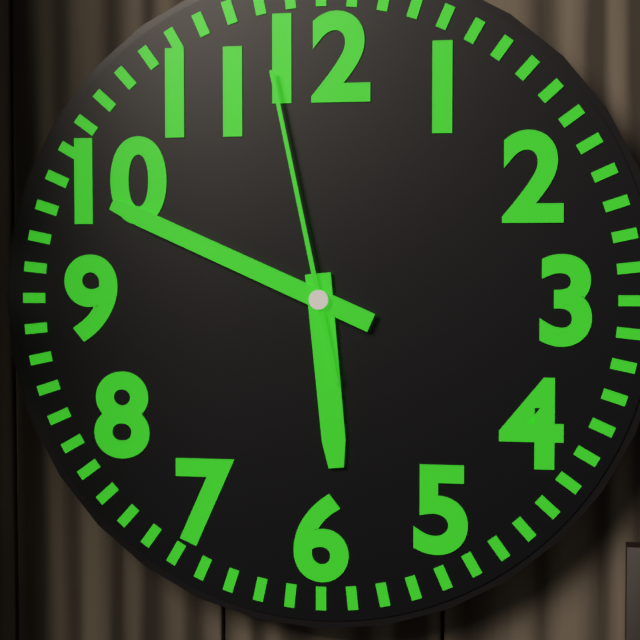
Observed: 5 h 49 min 58 s
